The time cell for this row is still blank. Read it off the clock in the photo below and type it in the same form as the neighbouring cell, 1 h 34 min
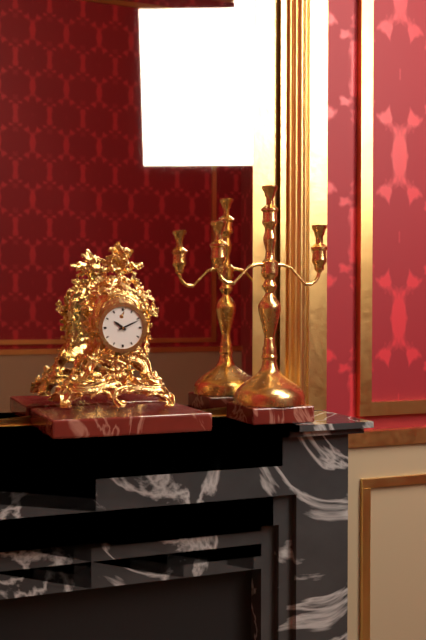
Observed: 10 h 11 min
